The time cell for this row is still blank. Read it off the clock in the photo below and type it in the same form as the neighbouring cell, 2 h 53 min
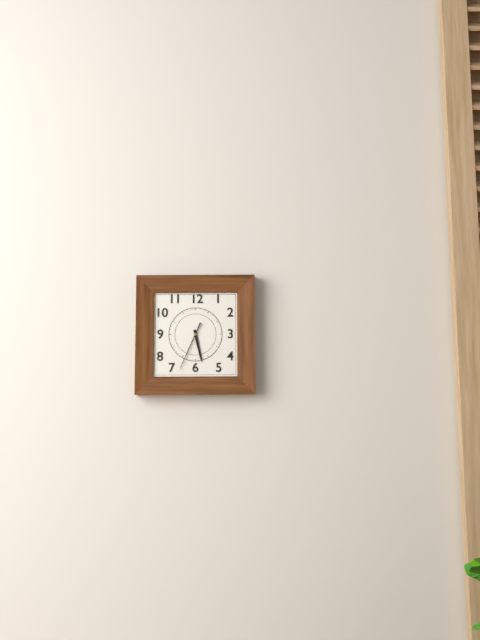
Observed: 5 h 34 min
